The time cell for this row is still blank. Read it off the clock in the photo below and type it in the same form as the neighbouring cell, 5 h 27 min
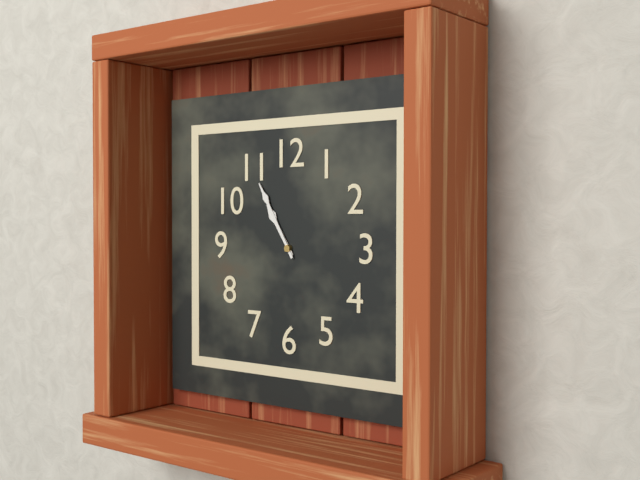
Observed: 10 h 55 min
